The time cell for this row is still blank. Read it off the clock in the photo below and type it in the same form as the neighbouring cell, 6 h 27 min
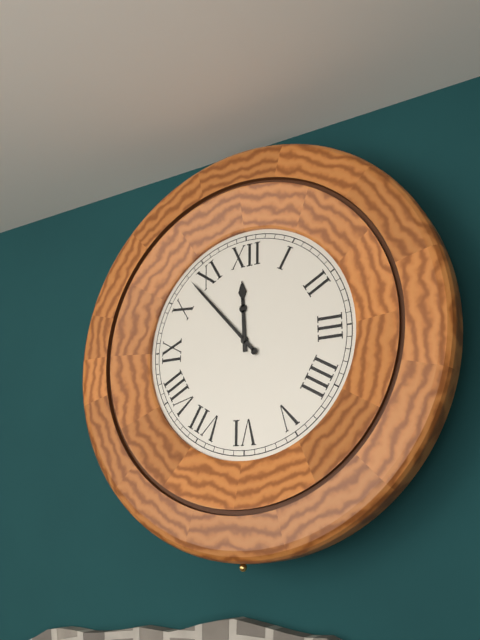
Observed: 11 h 53 min
